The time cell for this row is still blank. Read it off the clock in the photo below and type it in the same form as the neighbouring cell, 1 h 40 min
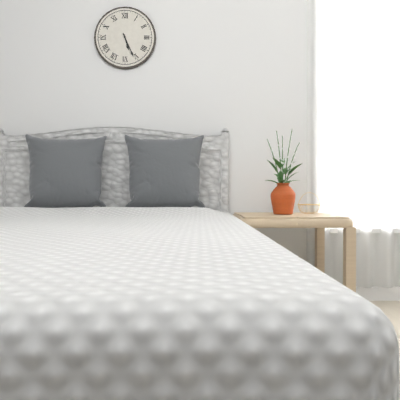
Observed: 5 h 26 min
